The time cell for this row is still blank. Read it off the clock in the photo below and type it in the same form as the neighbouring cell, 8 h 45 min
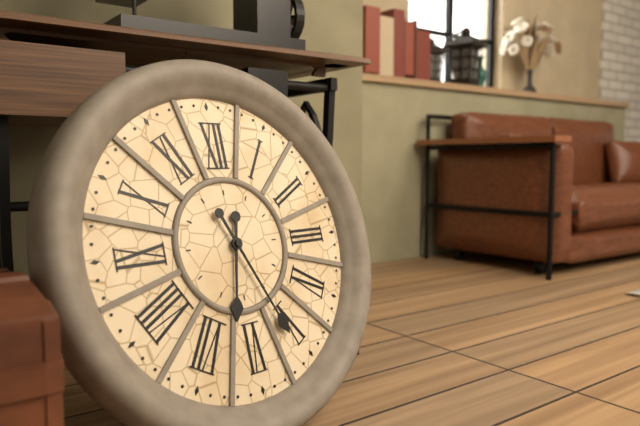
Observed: 6 h 26 min
